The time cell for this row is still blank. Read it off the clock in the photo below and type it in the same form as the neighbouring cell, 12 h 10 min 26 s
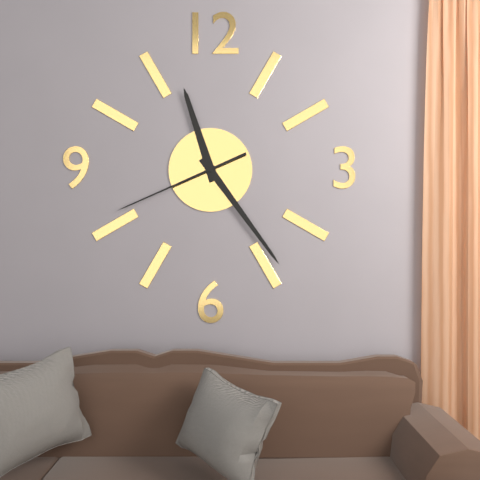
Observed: 11 h 24 min 41 s
